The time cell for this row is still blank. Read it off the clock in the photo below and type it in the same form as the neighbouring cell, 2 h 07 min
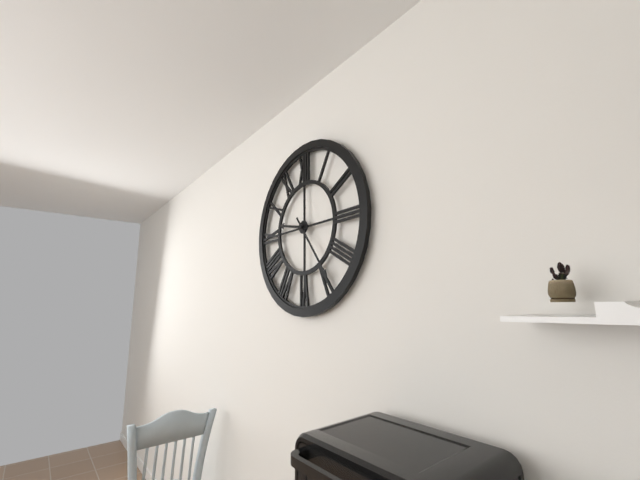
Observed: 9 h 24 min
